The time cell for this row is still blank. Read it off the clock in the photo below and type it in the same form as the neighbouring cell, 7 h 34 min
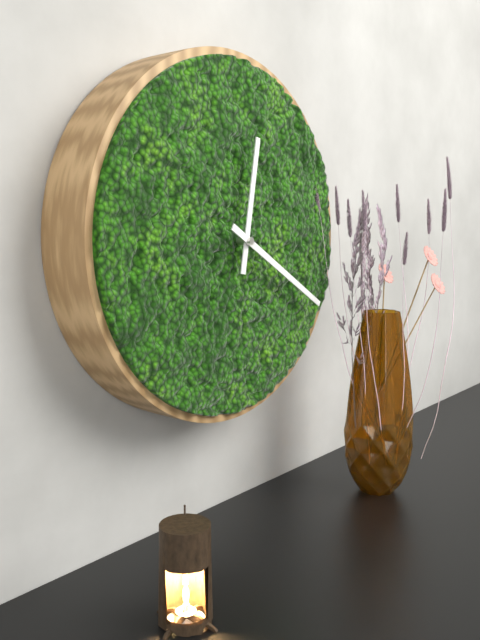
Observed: 12 h 20 min
